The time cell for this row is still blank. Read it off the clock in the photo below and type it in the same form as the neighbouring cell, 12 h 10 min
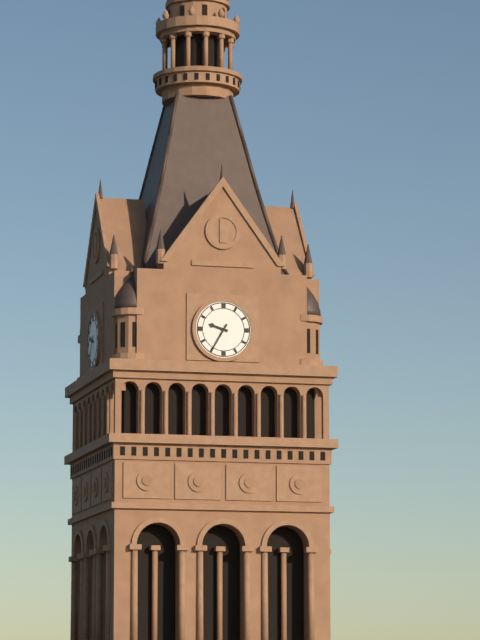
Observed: 9 h 35 min
